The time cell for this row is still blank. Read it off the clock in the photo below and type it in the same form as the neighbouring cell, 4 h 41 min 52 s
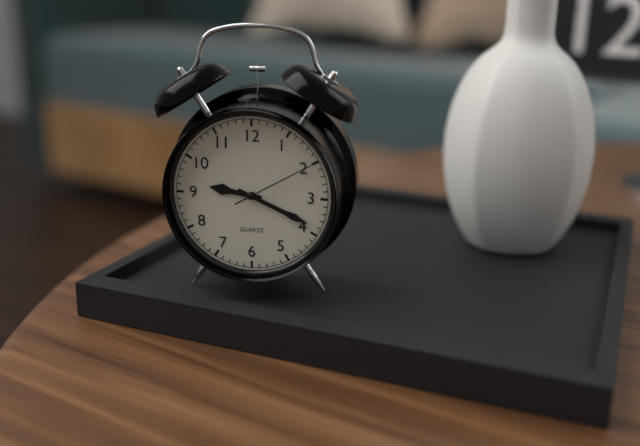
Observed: 9 h 19 min 10 s
